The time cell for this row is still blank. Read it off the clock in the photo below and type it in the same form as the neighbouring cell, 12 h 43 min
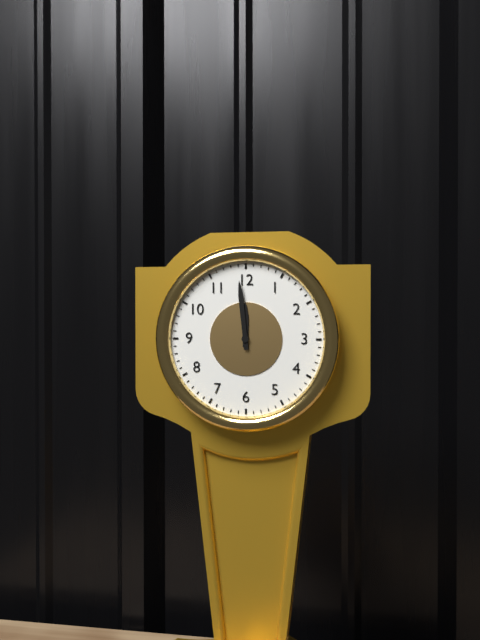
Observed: 11 h 59 min
